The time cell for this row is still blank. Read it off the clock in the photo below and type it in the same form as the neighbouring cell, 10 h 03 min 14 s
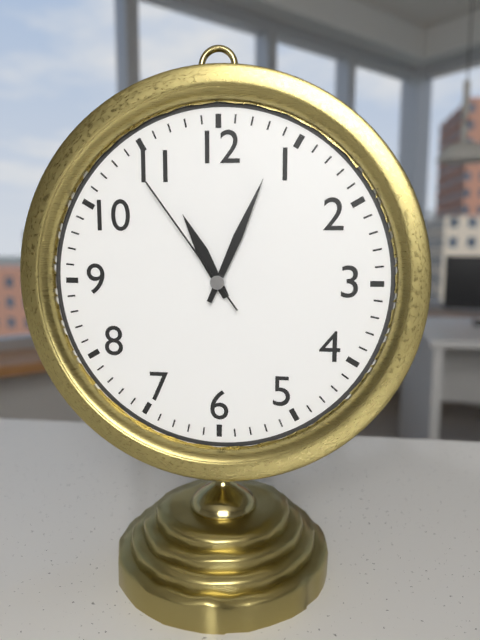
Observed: 11 h 04 min 54 s
